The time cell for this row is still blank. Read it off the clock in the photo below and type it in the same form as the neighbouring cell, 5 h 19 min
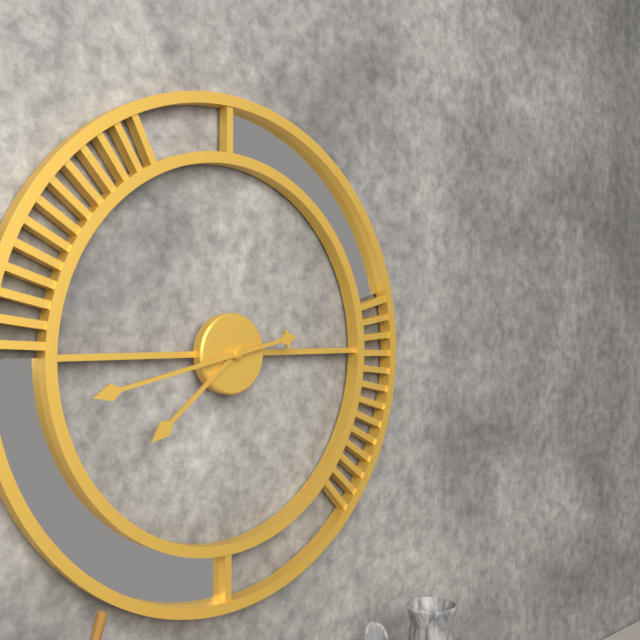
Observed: 7 h 43 min
